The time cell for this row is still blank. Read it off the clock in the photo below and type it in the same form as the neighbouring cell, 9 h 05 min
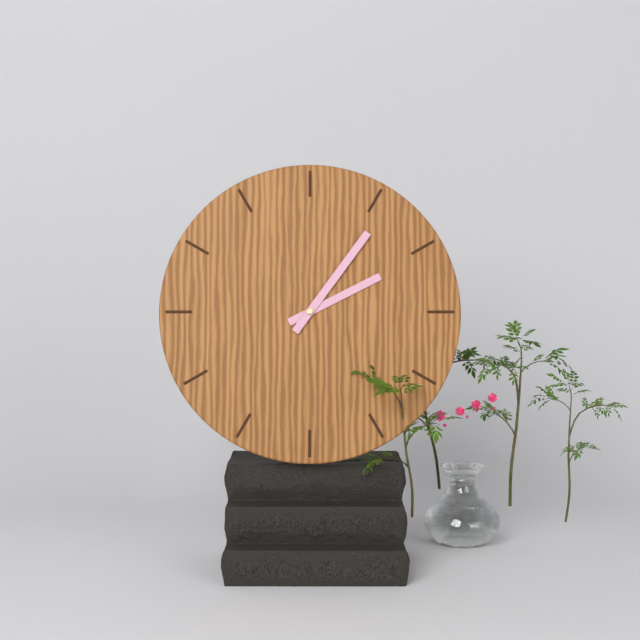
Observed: 2 h 06 min
